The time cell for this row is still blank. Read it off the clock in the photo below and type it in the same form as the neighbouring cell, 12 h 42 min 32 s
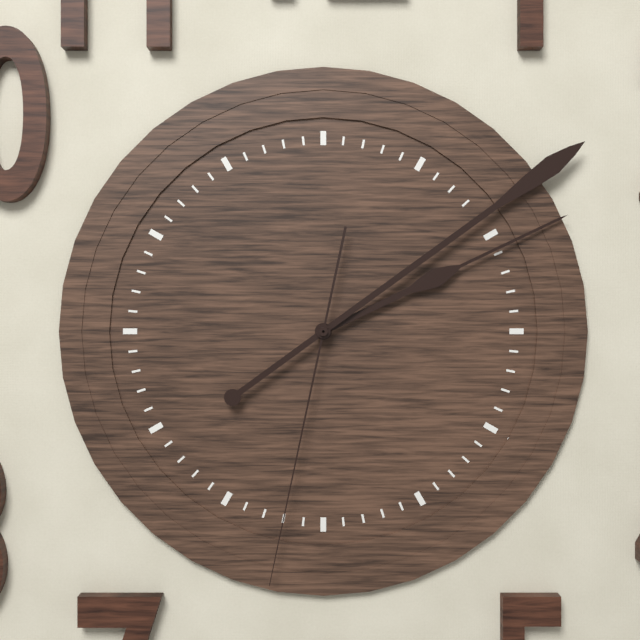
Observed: 2 h 09 min 32 s
